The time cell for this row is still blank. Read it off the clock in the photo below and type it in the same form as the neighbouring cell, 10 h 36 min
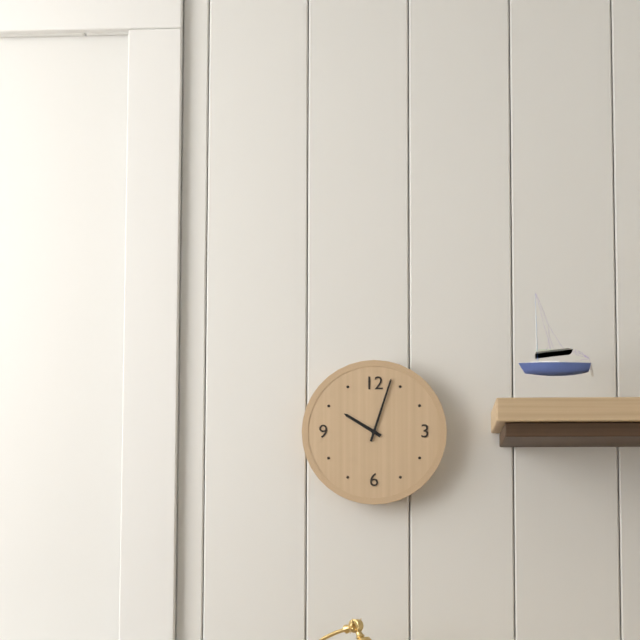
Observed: 10 h 03 min
